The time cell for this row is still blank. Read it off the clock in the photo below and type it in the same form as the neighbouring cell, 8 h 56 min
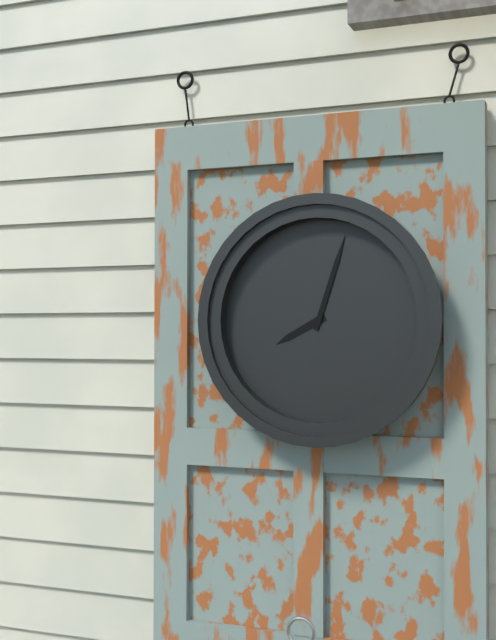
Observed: 8 h 03 min
